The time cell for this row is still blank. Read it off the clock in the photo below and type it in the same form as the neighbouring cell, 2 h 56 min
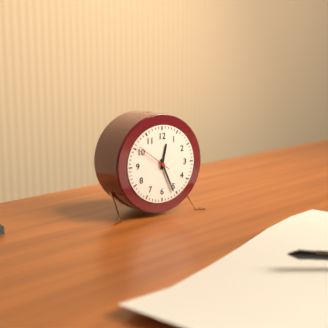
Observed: 12 h 26 min
